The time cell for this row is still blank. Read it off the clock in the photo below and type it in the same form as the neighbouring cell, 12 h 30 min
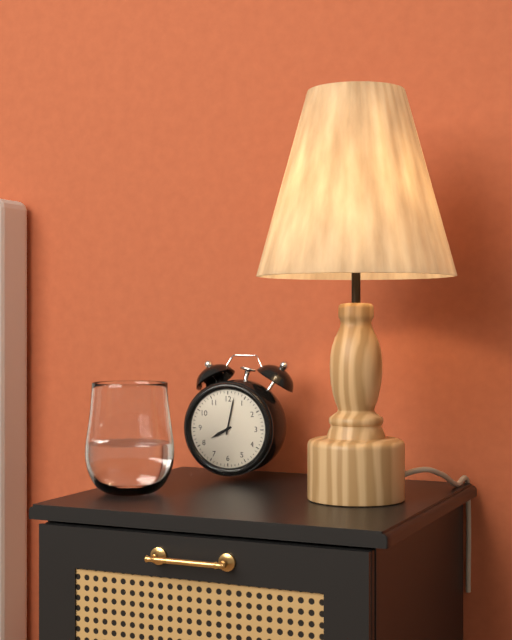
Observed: 8 h 02 min
